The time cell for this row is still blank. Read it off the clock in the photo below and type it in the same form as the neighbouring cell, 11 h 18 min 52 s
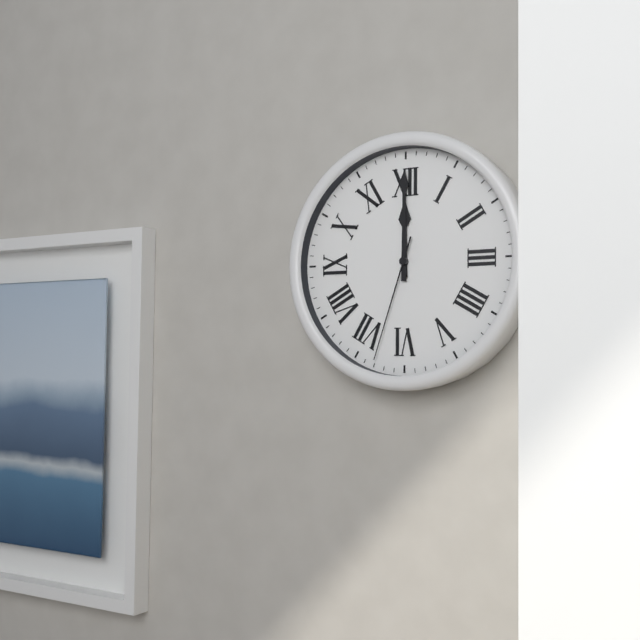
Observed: 12 h 00 min 33 s
